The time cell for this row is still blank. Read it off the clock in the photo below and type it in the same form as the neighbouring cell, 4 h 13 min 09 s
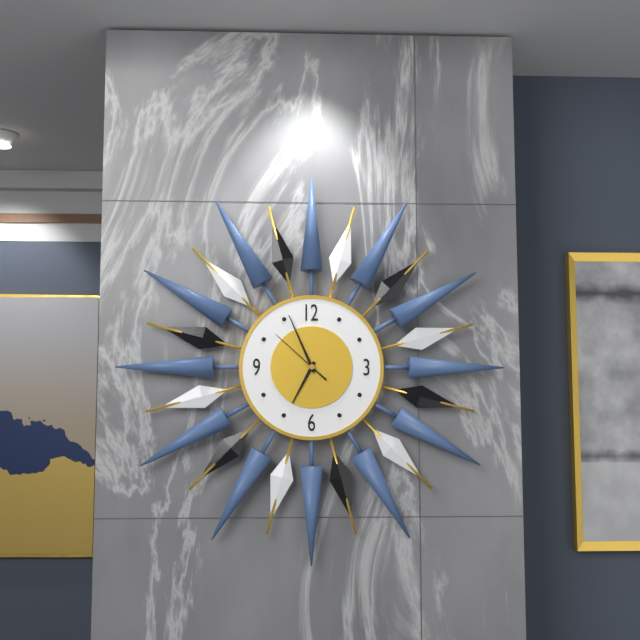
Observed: 6 h 56 min 52 s
